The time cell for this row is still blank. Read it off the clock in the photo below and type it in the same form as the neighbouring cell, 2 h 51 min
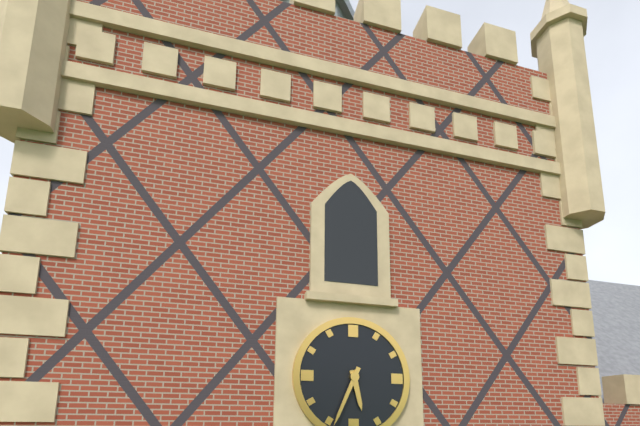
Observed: 5 h 34 min
